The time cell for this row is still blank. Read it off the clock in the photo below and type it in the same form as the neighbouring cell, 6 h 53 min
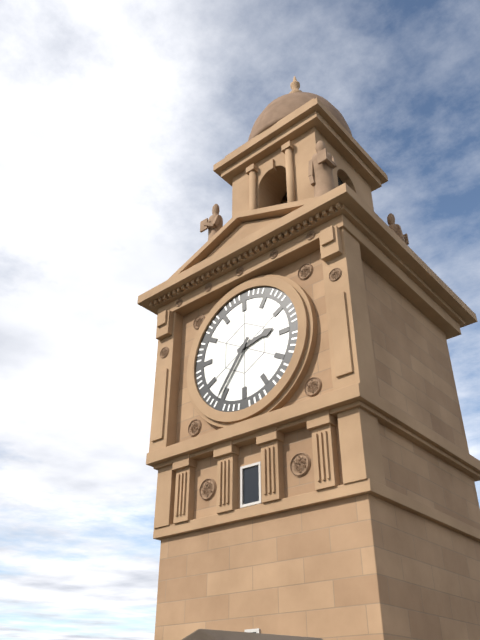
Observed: 2 h 36 min
